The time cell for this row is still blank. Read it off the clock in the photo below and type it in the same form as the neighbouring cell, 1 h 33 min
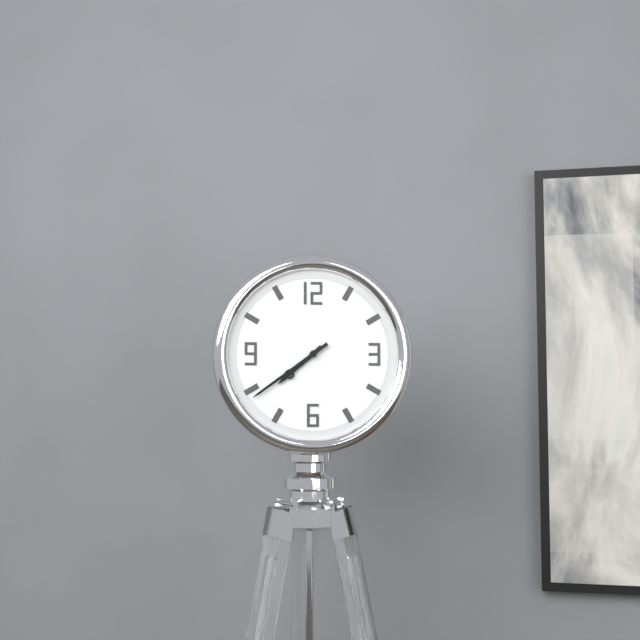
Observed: 7 h 39 min
